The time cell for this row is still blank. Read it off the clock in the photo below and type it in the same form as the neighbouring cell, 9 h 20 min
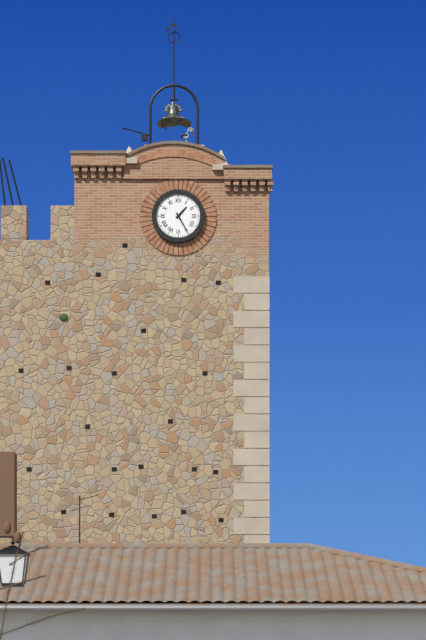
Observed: 1 h 25 min
